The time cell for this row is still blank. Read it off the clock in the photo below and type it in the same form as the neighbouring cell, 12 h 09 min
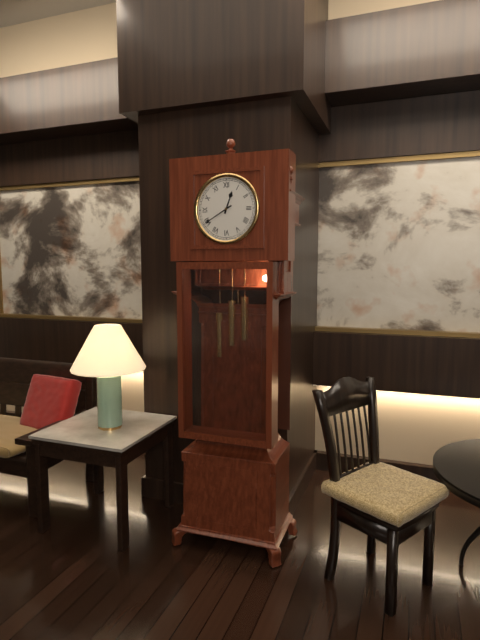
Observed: 12 h 40 min
